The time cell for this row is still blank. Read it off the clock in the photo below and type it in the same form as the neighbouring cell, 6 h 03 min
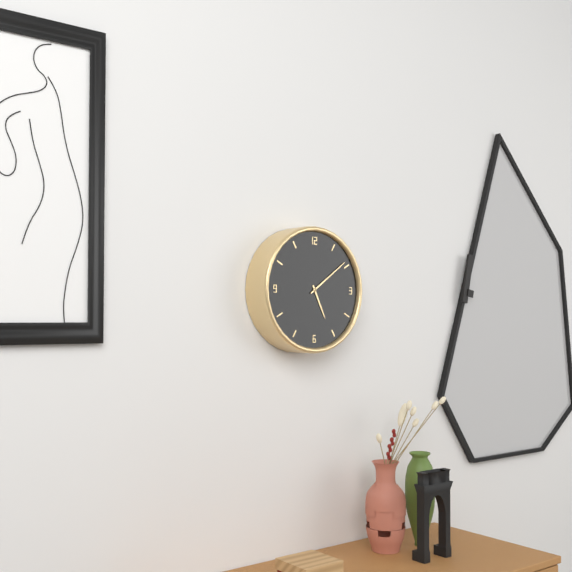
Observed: 5 h 09 min
